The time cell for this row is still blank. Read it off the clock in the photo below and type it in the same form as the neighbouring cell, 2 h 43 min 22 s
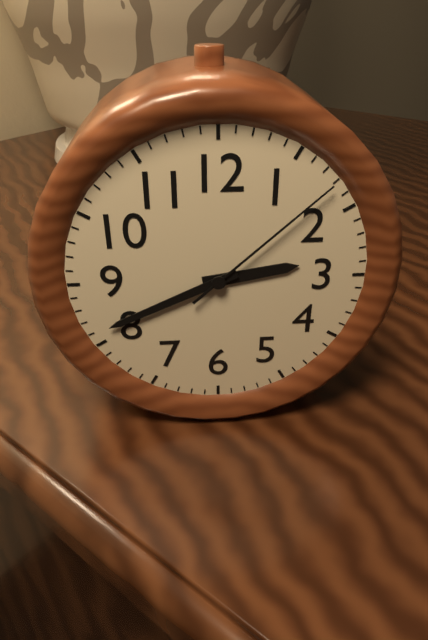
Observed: 2 h 41 min 08 s
